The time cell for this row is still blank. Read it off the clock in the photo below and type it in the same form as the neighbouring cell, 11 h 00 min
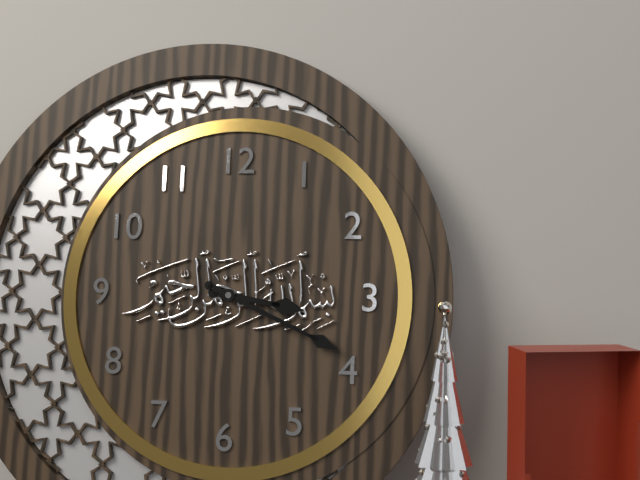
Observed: 3 h 19 min
